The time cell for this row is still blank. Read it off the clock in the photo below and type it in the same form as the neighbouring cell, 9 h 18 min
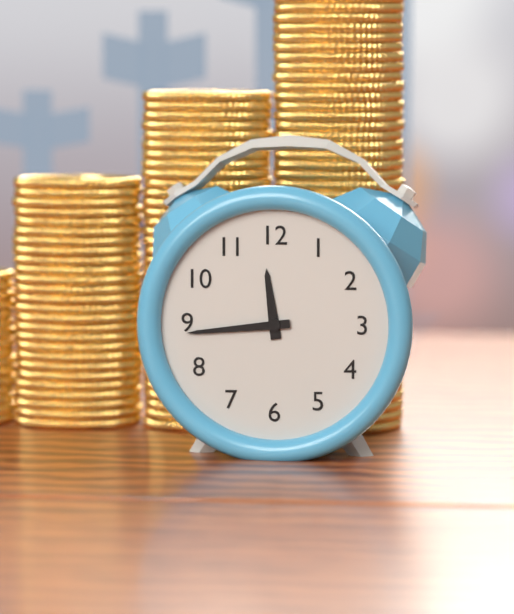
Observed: 11 h 44 min
